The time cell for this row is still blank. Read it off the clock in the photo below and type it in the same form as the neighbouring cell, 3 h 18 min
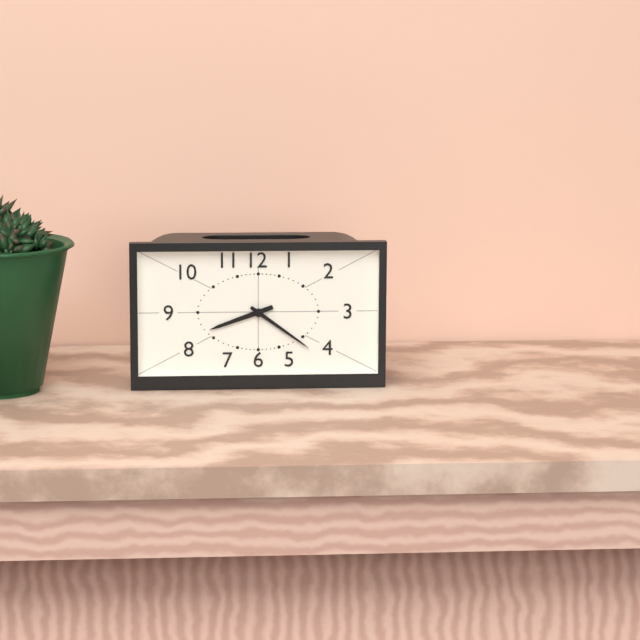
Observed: 8 h 21 min
